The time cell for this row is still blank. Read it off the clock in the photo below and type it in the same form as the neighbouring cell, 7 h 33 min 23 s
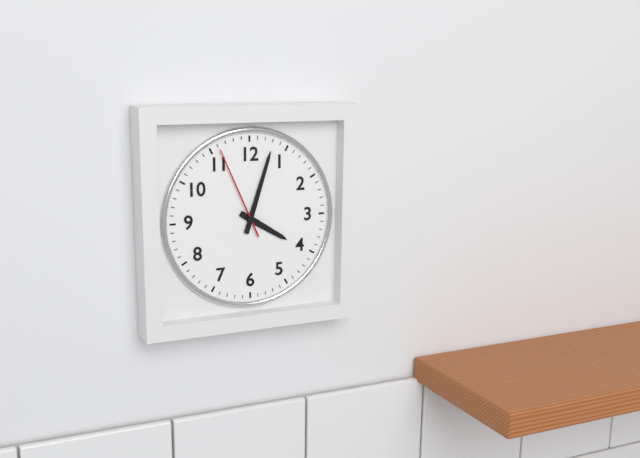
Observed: 4 h 03 min 56 s
